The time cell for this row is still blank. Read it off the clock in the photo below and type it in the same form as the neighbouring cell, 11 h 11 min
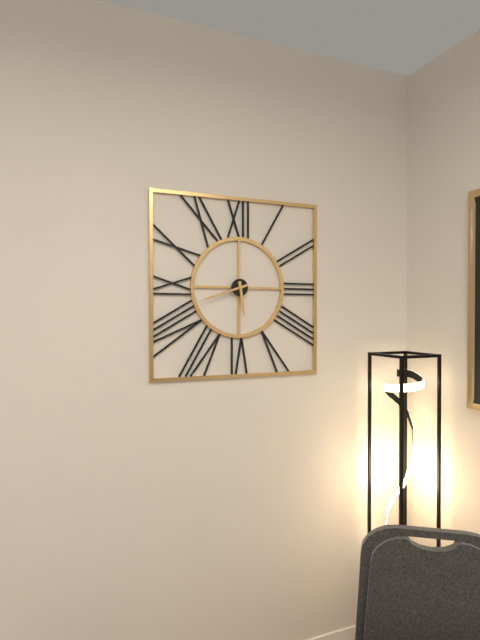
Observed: 5 h 42 min
